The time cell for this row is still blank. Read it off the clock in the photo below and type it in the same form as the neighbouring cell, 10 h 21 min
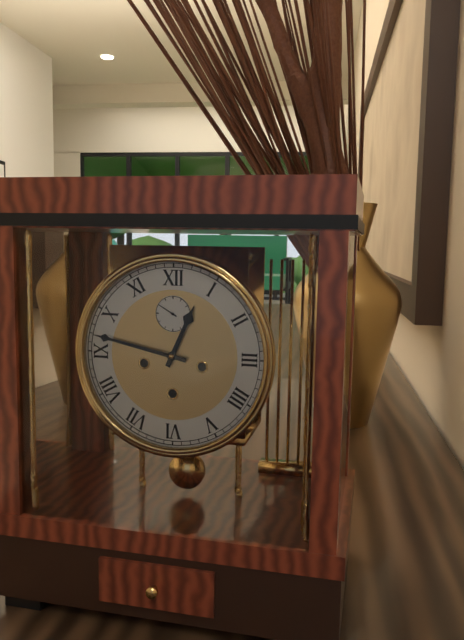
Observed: 12 h 47 min
